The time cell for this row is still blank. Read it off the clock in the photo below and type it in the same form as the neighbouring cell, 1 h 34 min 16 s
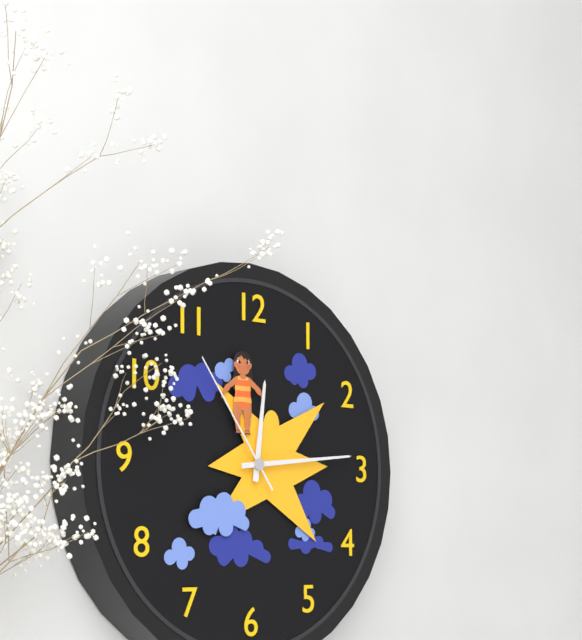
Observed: 12 h 14 min 54 s
